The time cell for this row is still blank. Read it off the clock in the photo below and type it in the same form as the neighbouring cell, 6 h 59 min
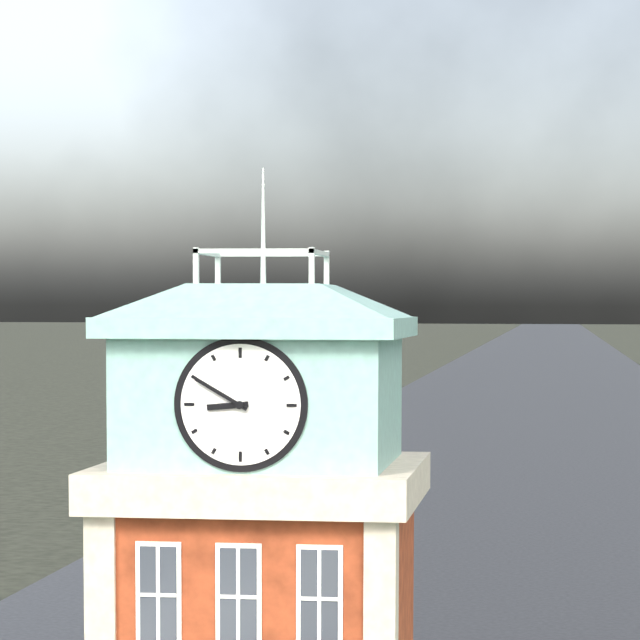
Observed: 8 h 50 min
